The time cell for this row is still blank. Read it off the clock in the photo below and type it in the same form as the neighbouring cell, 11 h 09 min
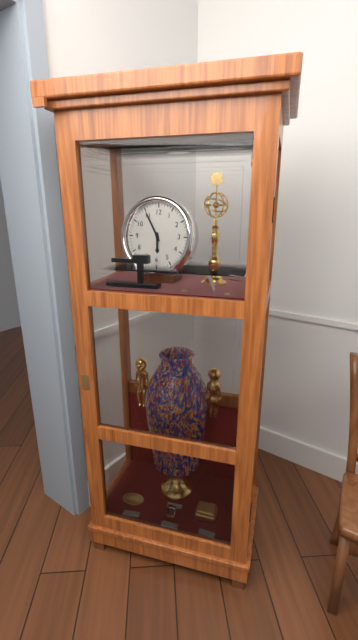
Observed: 5 h 55 min
